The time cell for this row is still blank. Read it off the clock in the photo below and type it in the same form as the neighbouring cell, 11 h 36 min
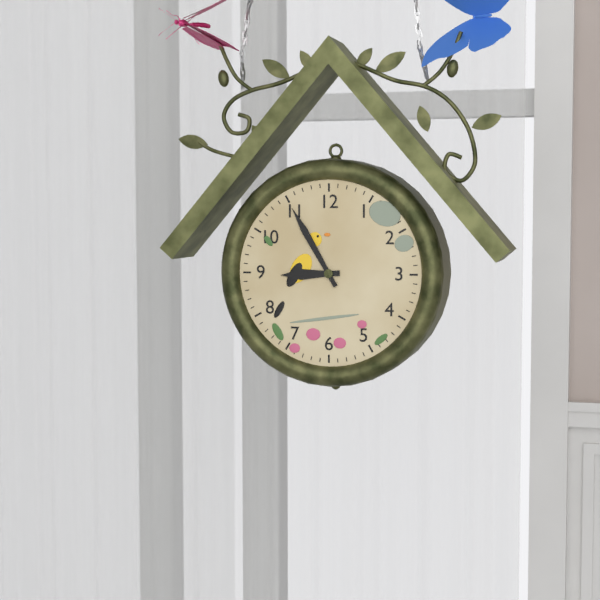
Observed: 8 h 55 min
